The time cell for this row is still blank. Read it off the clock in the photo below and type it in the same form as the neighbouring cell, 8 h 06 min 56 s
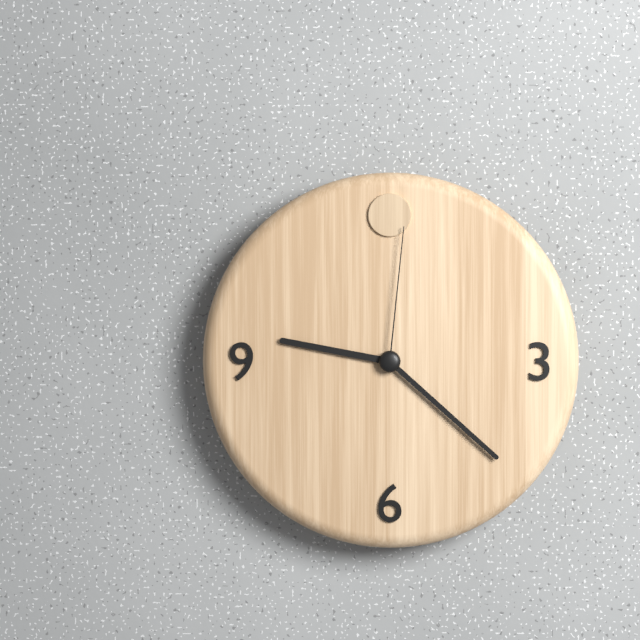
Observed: 9 h 22 min 01 s
